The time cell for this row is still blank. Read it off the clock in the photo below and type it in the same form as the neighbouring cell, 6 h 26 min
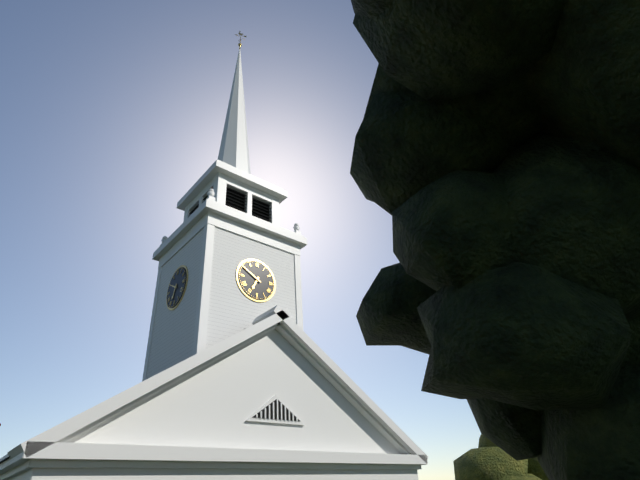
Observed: 6 h 50 min
